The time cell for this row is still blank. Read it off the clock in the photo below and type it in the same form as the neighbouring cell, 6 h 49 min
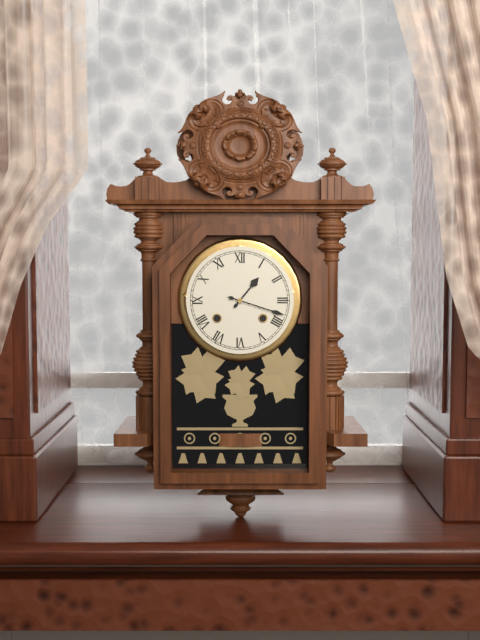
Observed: 1 h 18 min
